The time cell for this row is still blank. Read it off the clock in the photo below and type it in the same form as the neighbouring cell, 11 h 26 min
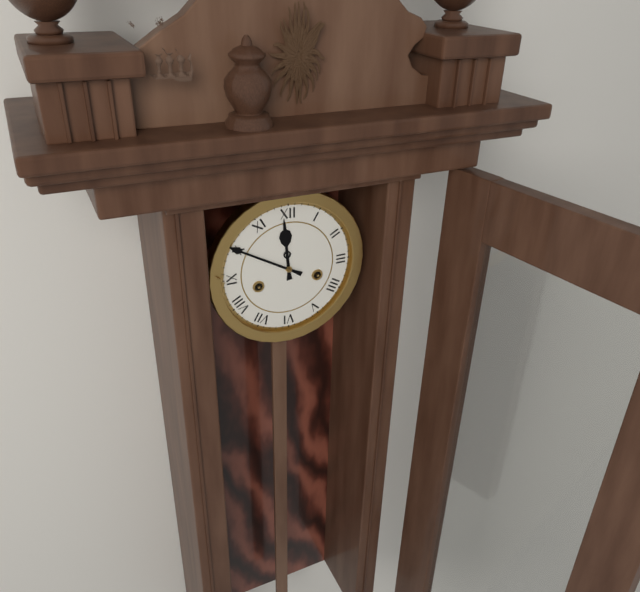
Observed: 11 h 50 min
